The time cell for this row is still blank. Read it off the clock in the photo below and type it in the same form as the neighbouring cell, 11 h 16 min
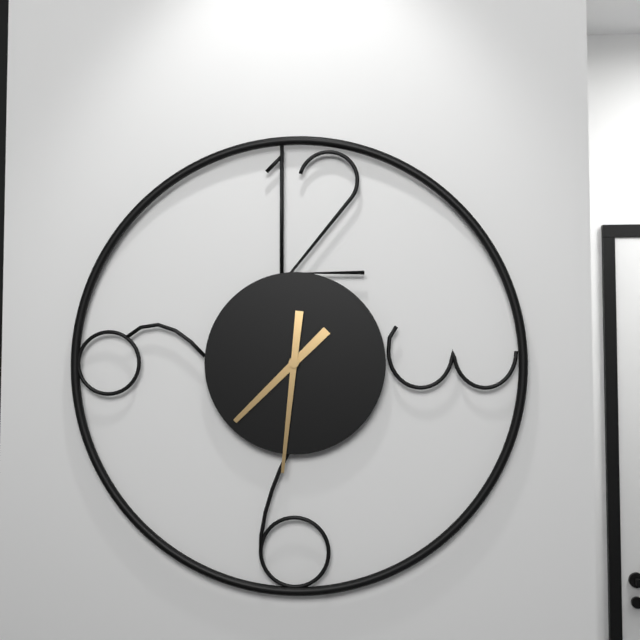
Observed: 7 h 31 min
